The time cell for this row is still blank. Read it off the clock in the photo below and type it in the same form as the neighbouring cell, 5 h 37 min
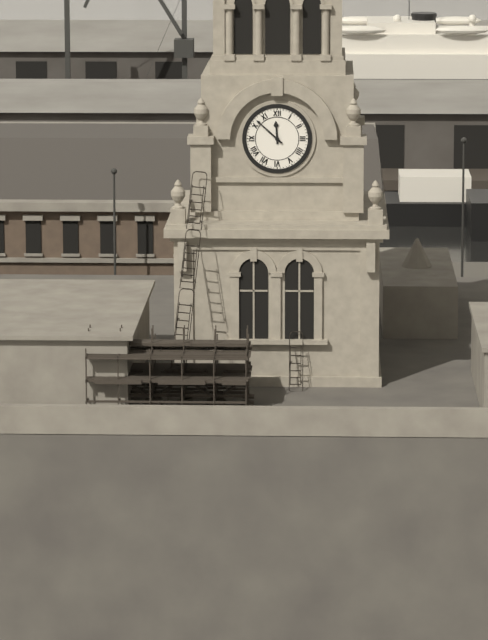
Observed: 11 h 52 min
